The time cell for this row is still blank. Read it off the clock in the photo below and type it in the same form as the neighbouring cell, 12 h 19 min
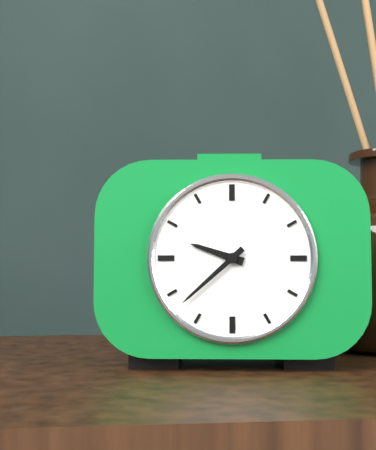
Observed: 9 h 38 min
